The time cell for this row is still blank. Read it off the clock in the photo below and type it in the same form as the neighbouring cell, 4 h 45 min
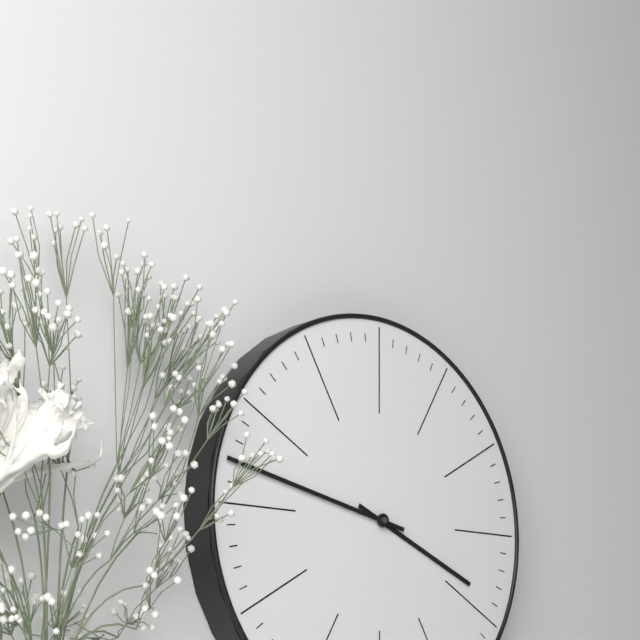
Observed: 3 h 47 min
